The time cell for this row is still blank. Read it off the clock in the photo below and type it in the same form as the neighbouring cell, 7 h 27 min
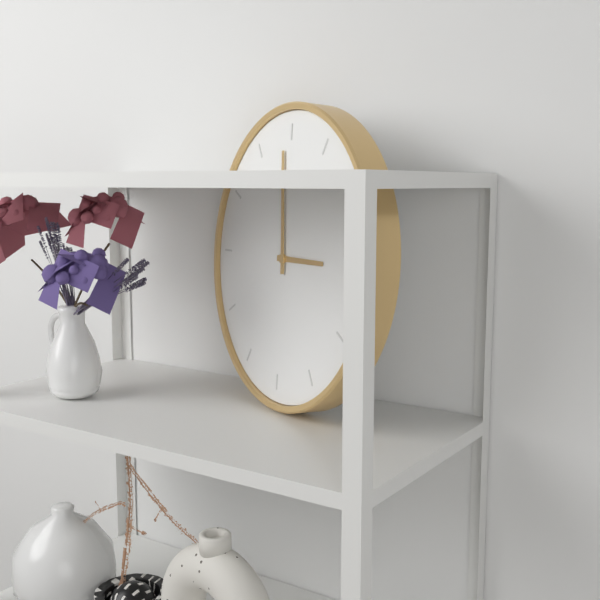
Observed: 2 h 59 min
